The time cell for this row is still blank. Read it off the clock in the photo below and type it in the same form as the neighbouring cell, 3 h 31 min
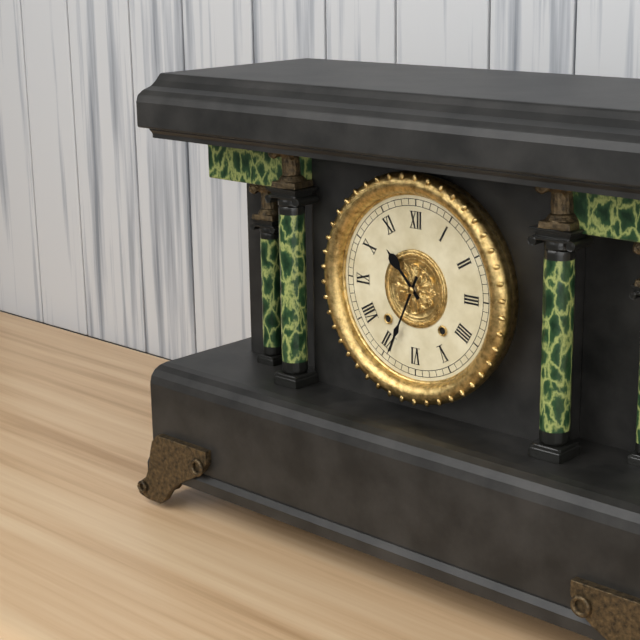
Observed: 10 h 34 min
